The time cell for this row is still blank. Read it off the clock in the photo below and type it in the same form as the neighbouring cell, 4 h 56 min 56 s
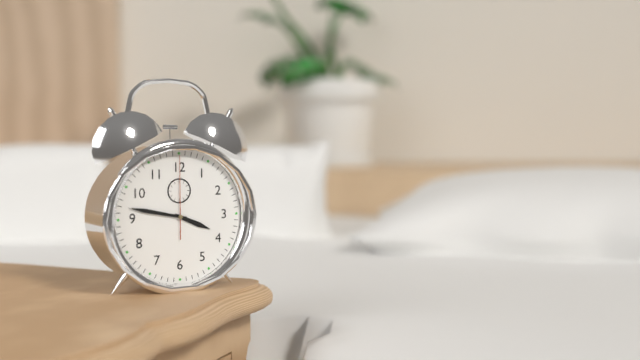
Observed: 3 h 47 min 00 s
